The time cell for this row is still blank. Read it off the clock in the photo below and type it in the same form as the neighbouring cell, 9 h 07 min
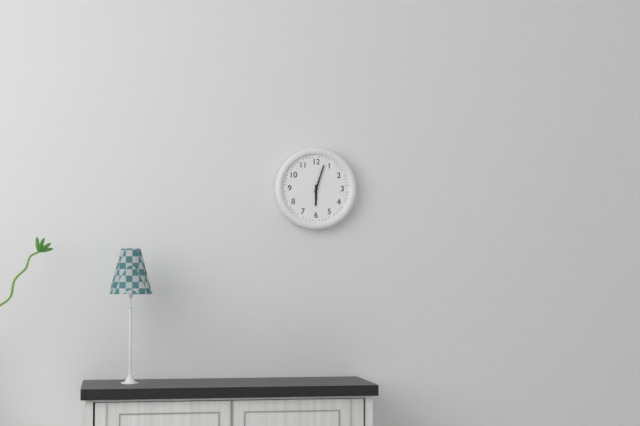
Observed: 6 h 03 min
